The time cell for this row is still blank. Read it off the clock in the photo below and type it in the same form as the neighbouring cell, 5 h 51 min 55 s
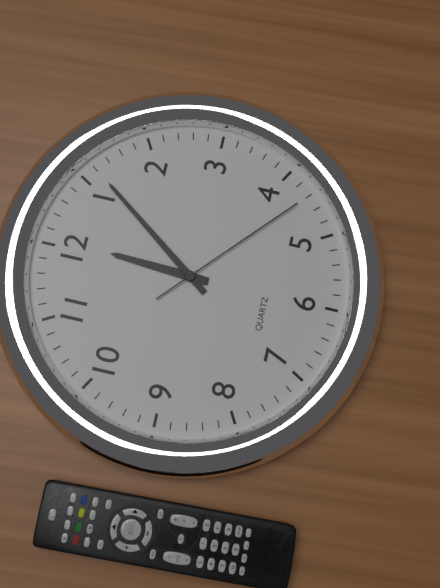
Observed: 12 h 06 min 22 s
